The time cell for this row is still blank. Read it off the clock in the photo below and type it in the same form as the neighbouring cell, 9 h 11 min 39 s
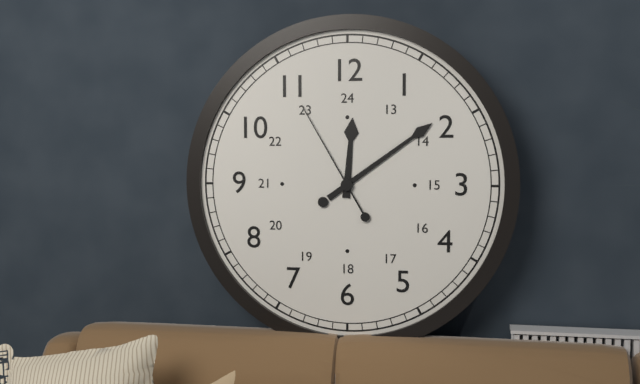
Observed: 12 h 09 min 55 s
